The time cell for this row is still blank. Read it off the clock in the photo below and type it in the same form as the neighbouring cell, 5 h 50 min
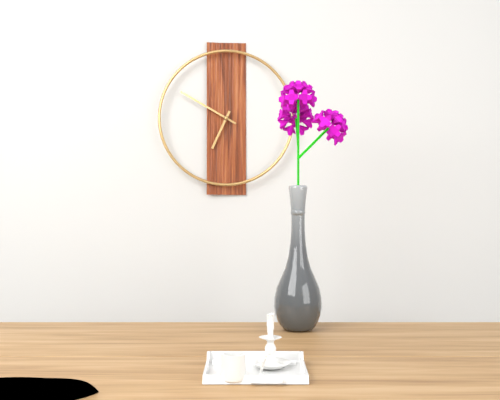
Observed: 6 h 50 min
